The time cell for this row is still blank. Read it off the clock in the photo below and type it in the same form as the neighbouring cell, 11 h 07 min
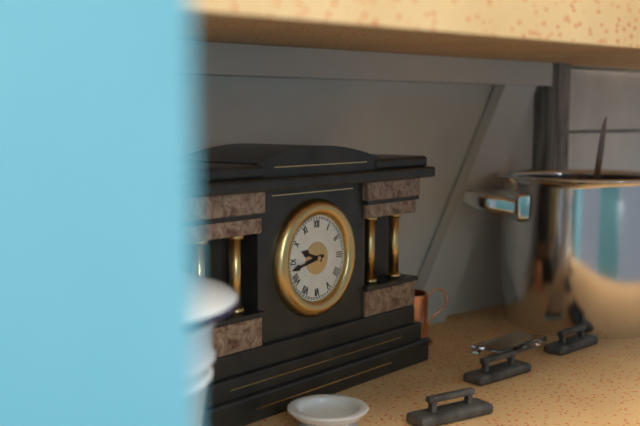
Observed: 9 h 43 min
